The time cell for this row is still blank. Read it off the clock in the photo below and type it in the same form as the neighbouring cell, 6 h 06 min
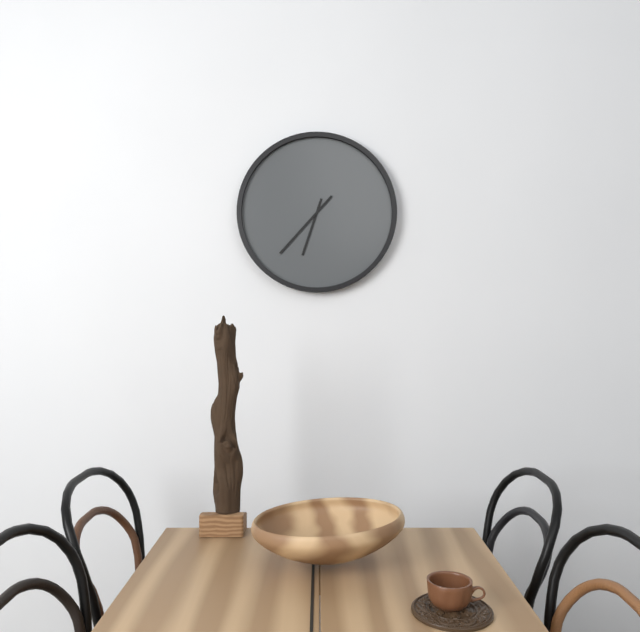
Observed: 6 h 37 min
